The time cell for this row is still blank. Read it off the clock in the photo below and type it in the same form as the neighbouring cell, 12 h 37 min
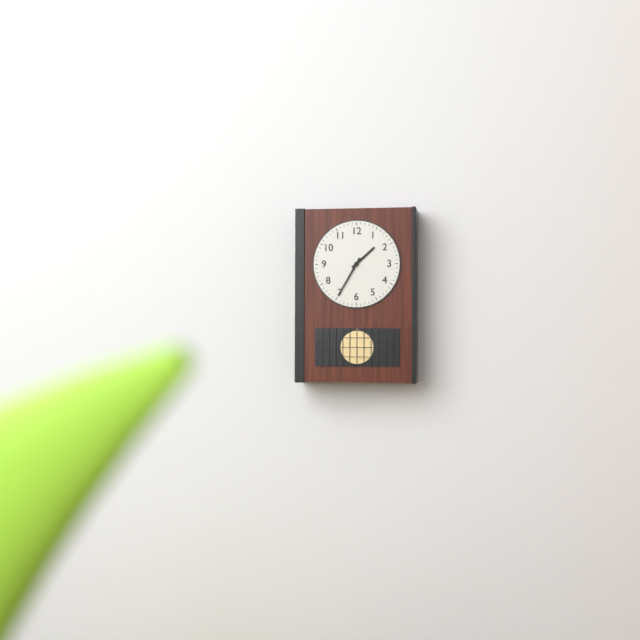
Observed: 1 h 35 min
